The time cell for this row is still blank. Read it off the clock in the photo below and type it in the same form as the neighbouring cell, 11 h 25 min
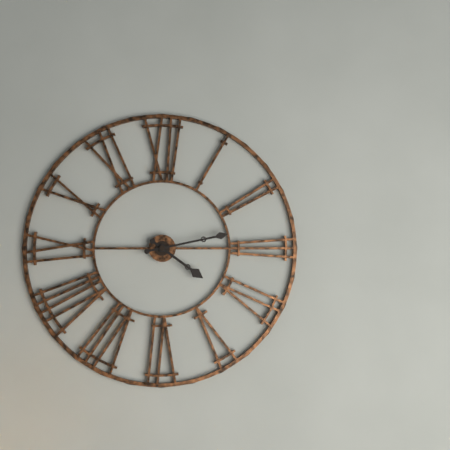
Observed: 4 h 13 min
